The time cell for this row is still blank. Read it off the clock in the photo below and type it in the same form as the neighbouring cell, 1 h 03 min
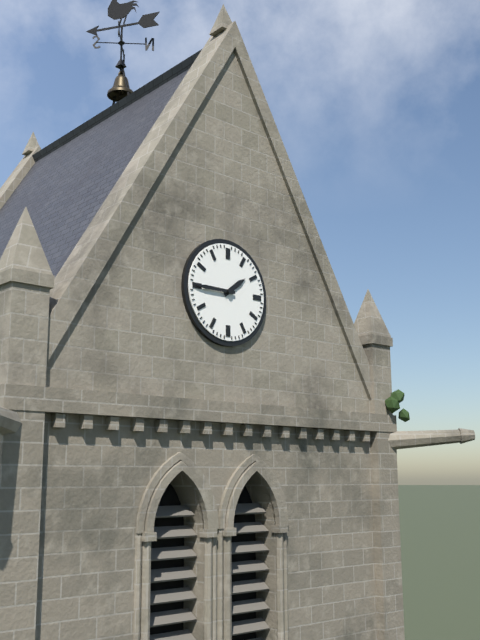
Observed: 1 h 45 min
